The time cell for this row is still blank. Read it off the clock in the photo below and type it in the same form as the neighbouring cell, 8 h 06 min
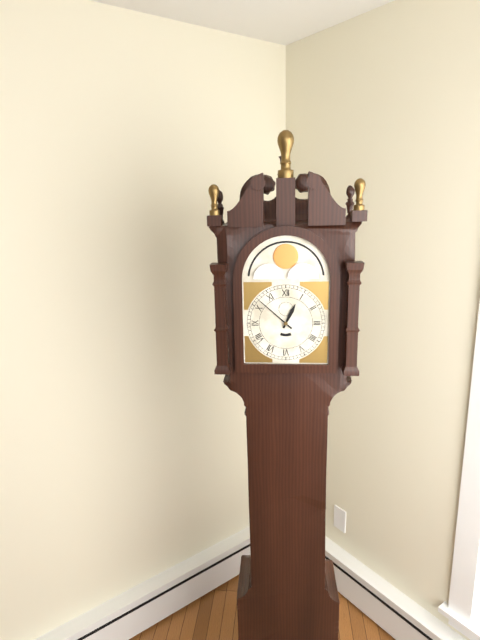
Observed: 12 h 52 min
